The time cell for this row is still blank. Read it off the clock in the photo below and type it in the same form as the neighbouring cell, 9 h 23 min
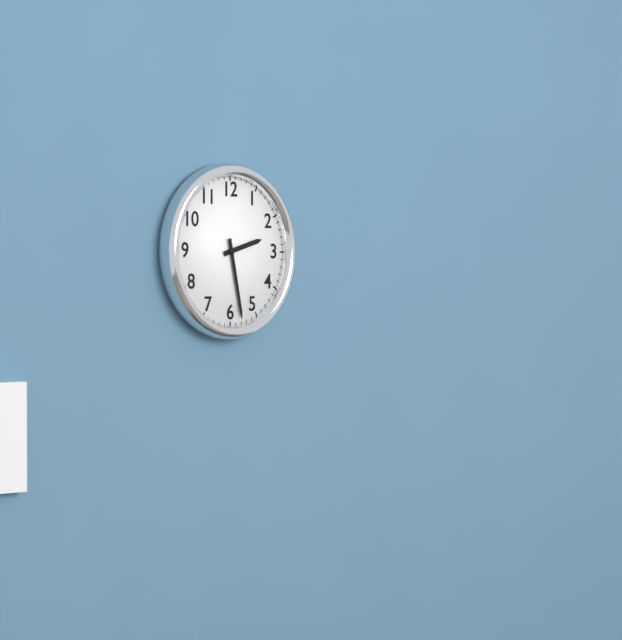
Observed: 2 h 28 min
